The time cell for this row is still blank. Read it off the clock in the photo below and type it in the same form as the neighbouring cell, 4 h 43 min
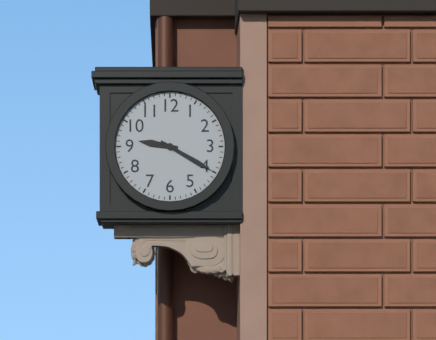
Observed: 9 h 20 min
